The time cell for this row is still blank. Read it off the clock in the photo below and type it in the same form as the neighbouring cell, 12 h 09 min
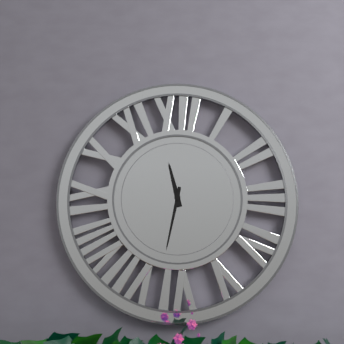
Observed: 11 h 32 min
